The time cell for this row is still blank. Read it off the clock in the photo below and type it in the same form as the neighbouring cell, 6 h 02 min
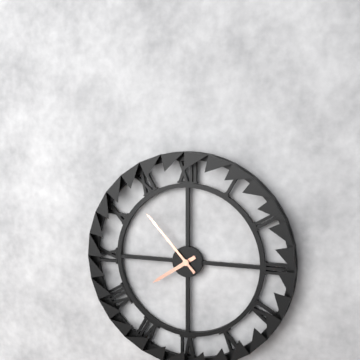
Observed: 7 h 53 min
